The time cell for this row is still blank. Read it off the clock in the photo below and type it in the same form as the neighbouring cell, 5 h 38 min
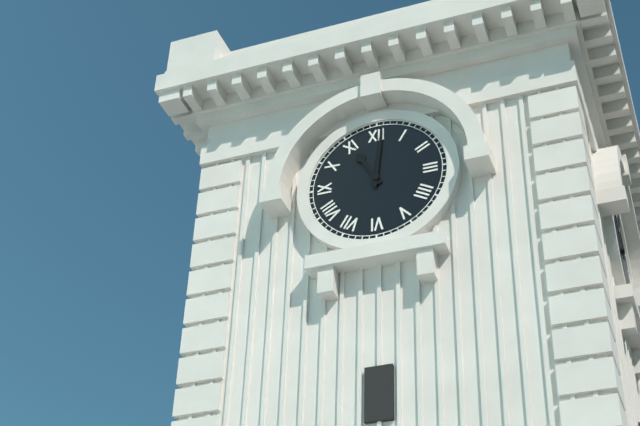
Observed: 11 h 01 min
